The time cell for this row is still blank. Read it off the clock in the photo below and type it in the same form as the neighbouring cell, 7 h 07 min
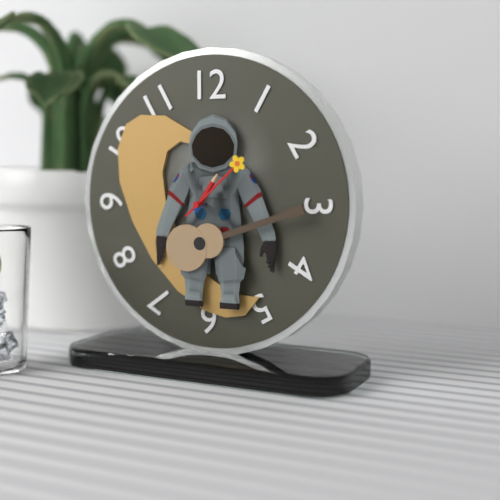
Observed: 1 h 08 min
